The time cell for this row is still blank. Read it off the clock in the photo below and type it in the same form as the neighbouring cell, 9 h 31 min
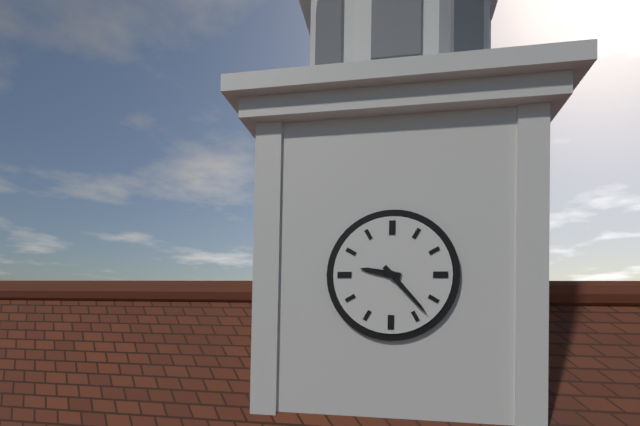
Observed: 9 h 23 min
